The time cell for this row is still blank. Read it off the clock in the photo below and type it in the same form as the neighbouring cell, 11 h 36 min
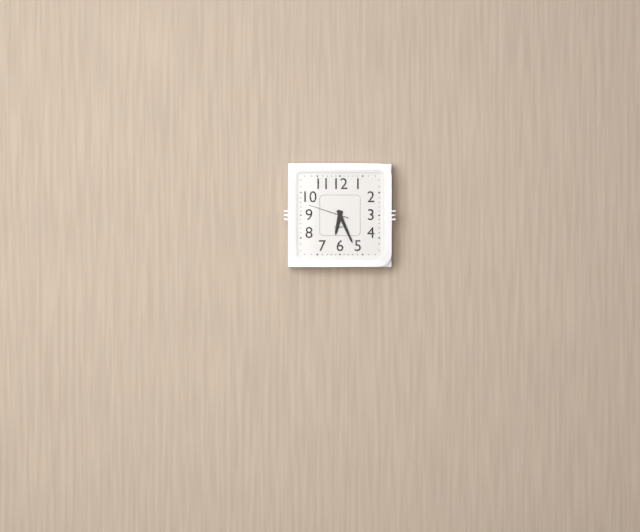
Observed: 6 h 26 min
